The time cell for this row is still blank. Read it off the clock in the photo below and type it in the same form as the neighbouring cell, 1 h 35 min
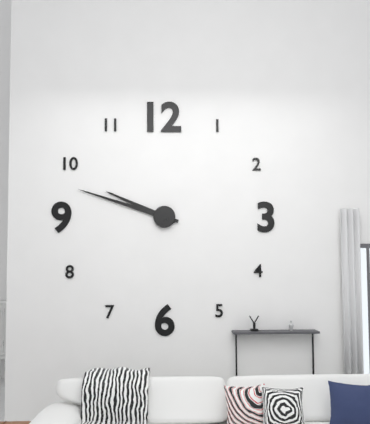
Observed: 9 h 48 min
